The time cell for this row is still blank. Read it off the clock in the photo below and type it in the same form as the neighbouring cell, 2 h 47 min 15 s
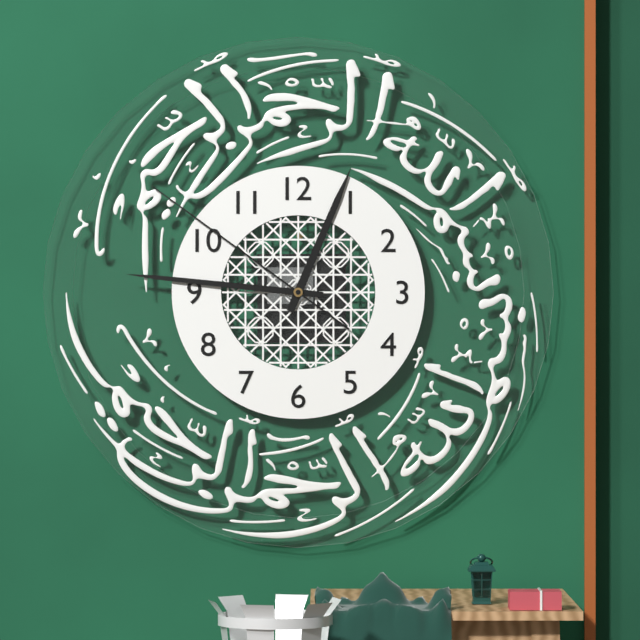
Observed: 12 h 46 min 51 s
